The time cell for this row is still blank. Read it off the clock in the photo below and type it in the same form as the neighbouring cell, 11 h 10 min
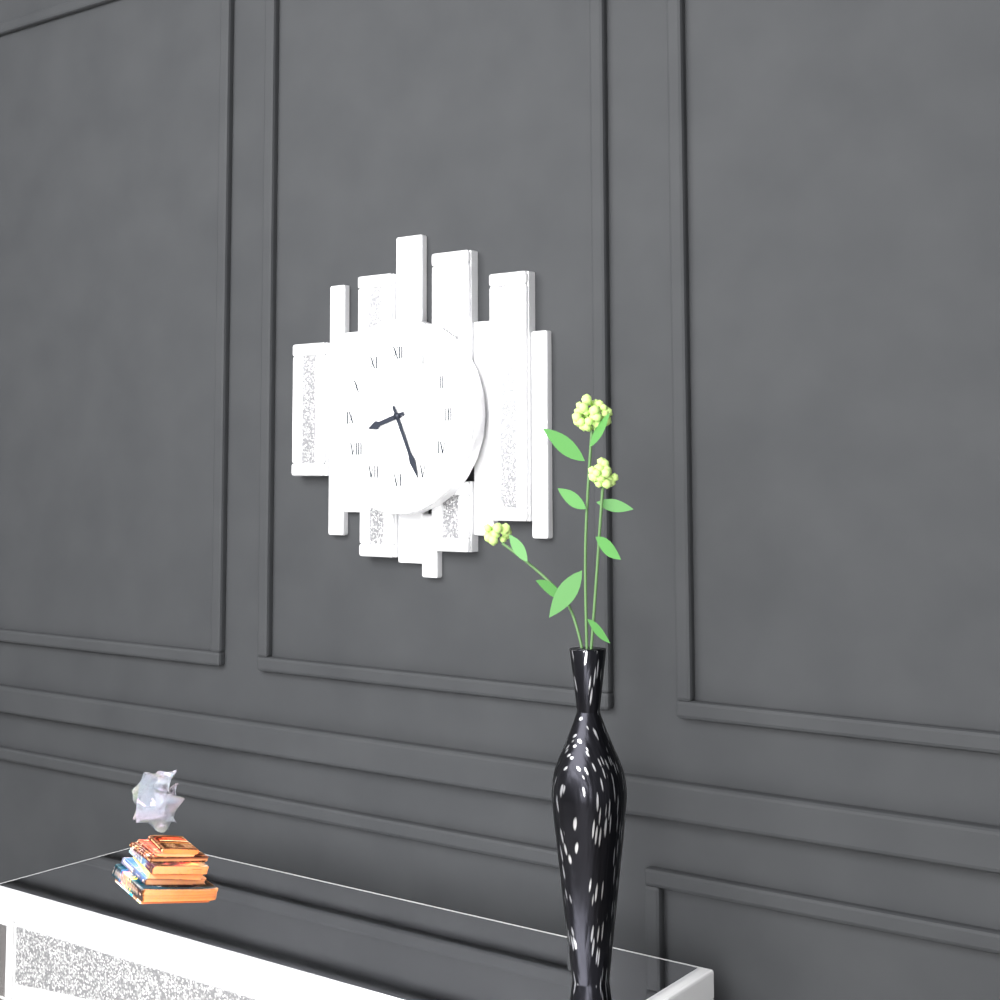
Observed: 8 h 26 min
